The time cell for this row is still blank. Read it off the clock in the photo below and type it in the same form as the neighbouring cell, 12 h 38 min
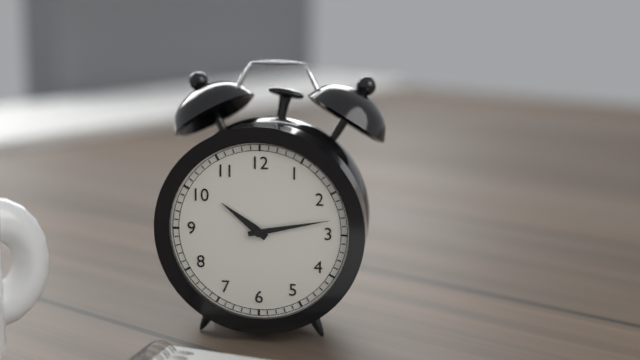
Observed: 10 h 13 min
